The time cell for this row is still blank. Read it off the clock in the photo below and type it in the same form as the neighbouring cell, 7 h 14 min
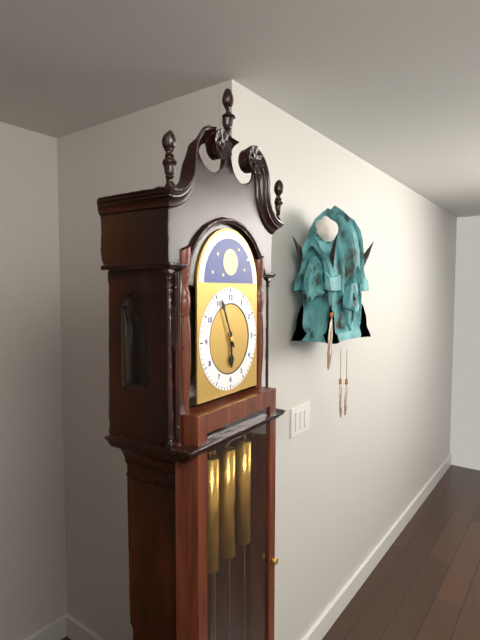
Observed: 5 h 56 min
